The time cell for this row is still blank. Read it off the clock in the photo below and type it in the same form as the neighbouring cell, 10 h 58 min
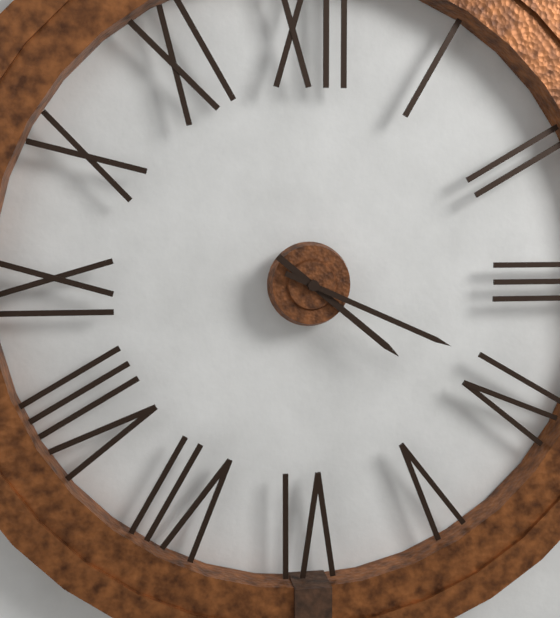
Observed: 4 h 19 min
